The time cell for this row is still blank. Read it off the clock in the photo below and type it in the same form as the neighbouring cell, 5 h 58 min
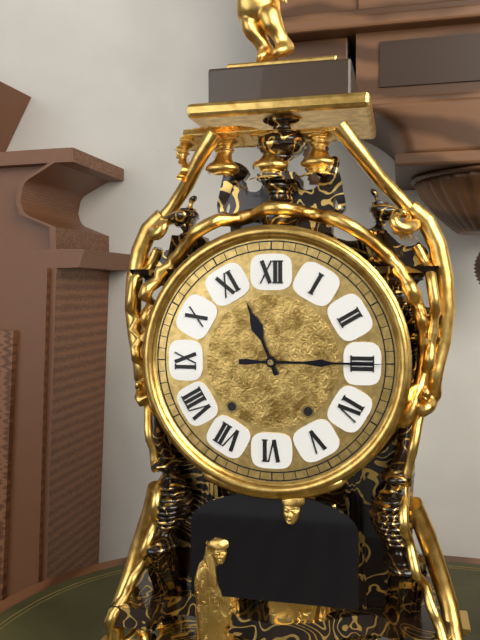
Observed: 11 h 15 min
